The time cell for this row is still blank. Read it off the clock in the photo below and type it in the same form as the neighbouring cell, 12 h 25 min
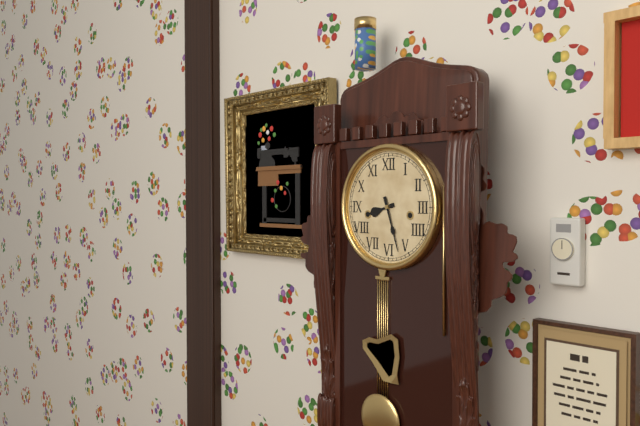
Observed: 8 h 27 min
